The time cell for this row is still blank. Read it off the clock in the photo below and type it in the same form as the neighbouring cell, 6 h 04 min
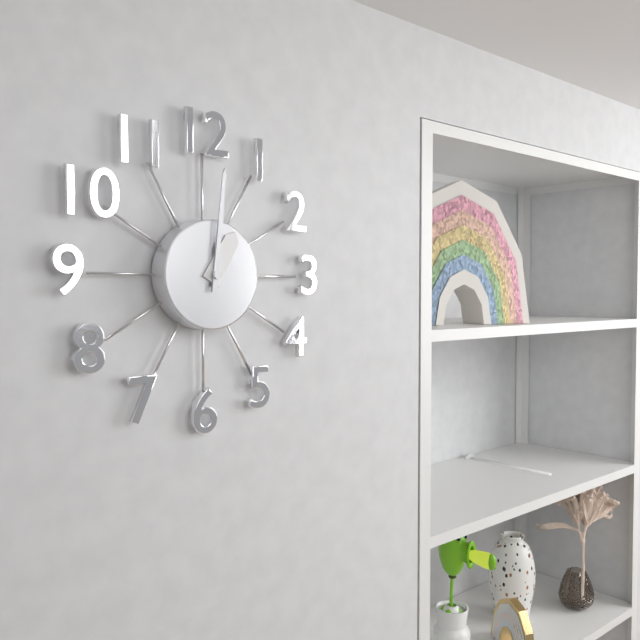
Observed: 1 h 01 min
